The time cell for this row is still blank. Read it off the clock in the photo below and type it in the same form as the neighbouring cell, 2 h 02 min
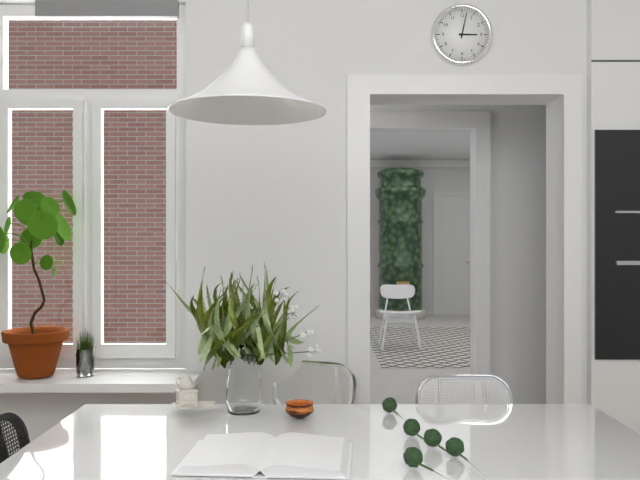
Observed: 3 h 02 min
